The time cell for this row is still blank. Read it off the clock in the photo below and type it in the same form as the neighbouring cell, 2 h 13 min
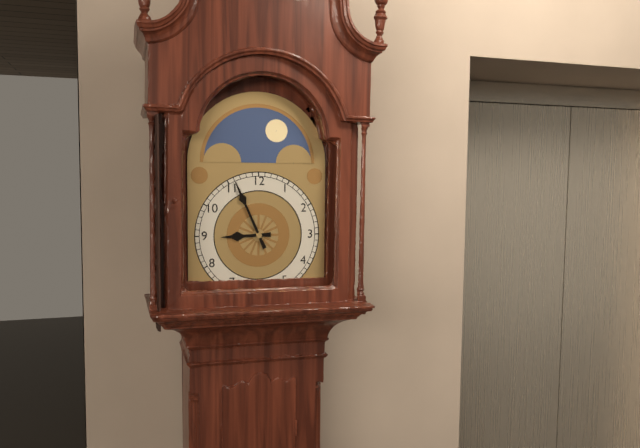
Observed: 8 h 56 min
